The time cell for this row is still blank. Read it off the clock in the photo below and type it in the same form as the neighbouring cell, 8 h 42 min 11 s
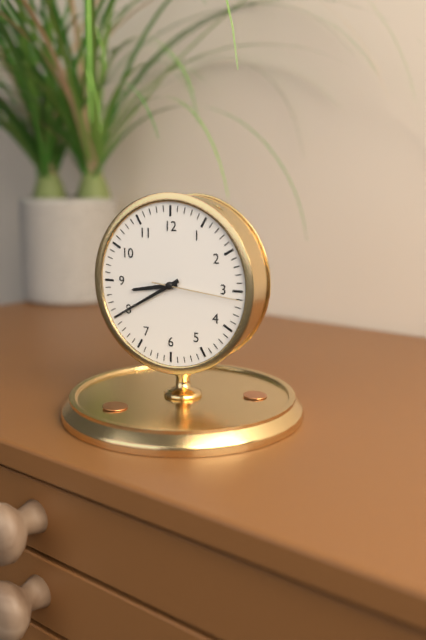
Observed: 8 h 40 min 16 s
